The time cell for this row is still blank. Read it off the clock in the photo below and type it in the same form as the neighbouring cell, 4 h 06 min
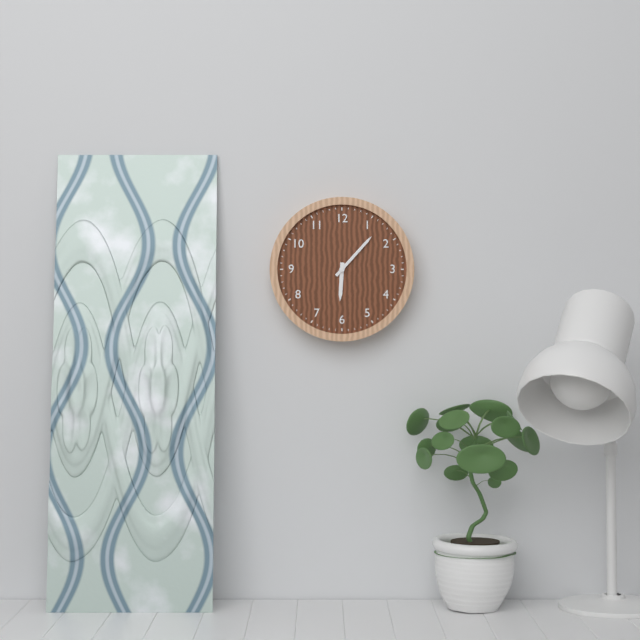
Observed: 6 h 07 min
